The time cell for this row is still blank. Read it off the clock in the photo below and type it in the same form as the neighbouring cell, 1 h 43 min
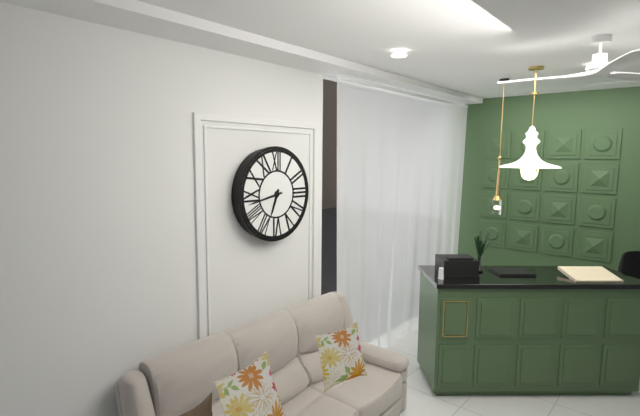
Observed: 6 h 43 min
